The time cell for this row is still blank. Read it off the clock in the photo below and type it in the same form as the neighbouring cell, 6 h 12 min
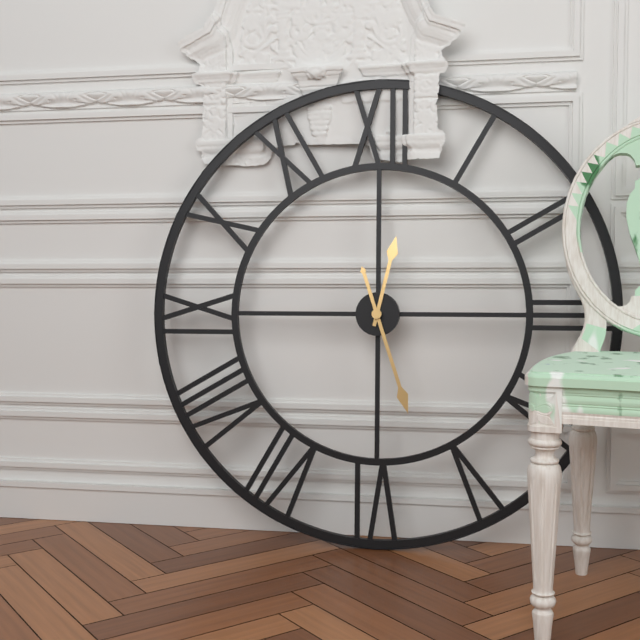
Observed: 12 h 27 min
